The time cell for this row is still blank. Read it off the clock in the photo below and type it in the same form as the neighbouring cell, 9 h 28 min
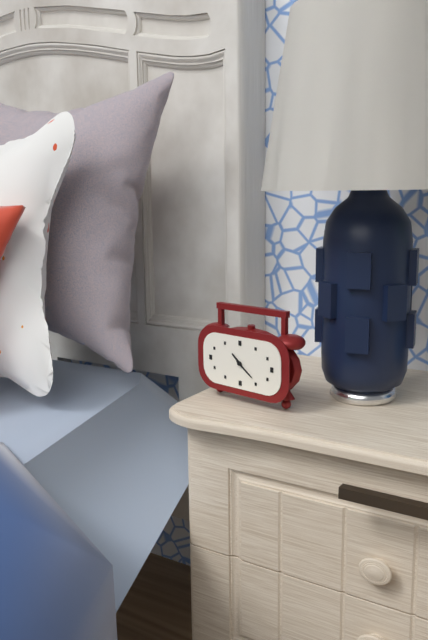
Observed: 10 h 21 min
